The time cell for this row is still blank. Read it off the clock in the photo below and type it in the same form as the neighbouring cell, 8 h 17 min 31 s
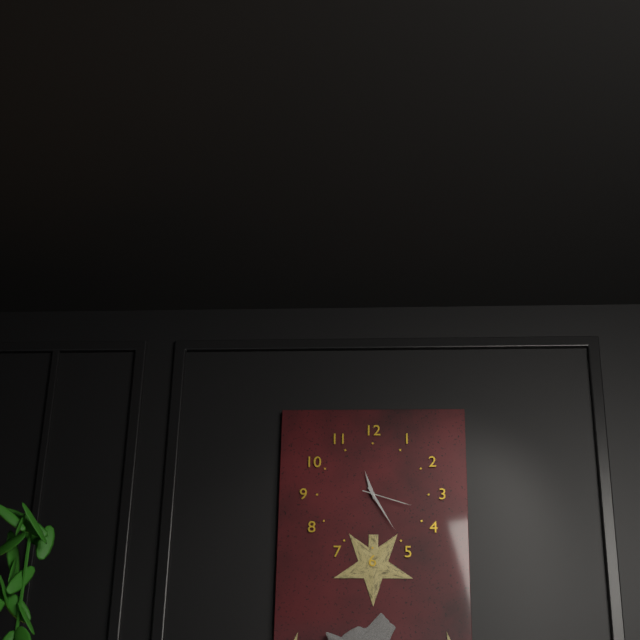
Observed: 11 h 25 min 18 s
